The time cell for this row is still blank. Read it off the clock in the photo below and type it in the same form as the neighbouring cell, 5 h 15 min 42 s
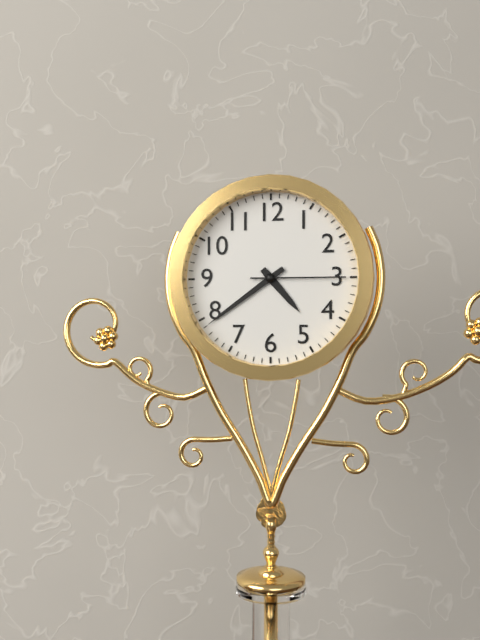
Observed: 4 h 39 min 15 s
